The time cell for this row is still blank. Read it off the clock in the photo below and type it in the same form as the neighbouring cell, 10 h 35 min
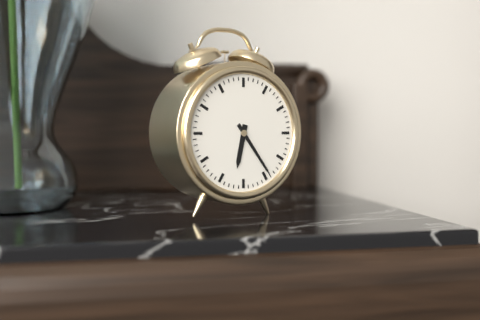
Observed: 6 h 24 min
